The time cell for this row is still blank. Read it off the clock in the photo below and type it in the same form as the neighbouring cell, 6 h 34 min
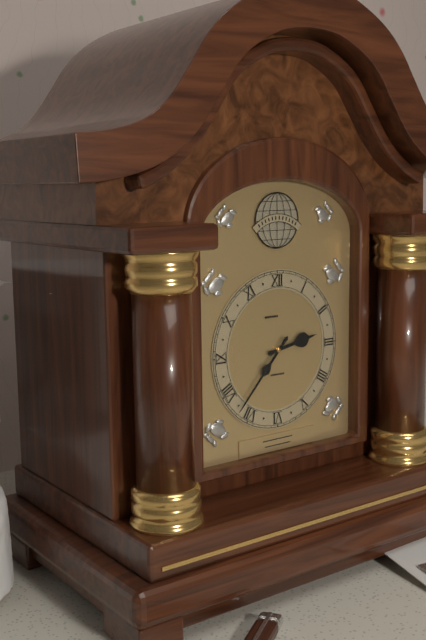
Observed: 2 h 37 min
